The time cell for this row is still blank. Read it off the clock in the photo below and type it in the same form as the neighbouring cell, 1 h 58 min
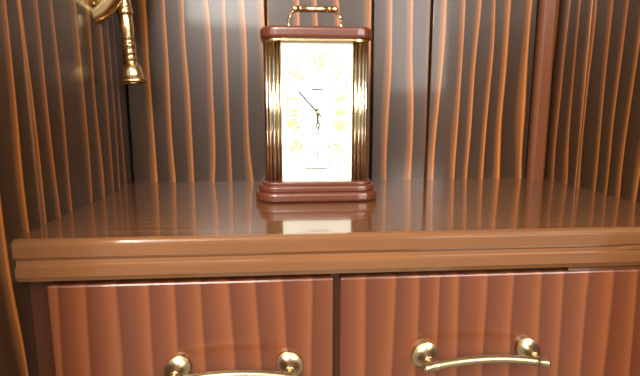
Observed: 5 h 53 min
